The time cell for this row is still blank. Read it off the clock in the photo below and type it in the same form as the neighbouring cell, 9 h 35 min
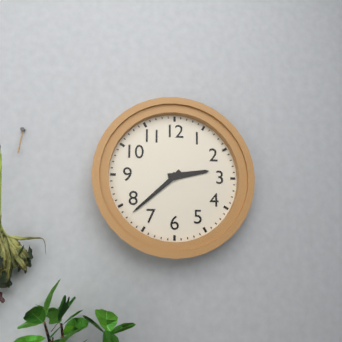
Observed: 2 h 38 min
